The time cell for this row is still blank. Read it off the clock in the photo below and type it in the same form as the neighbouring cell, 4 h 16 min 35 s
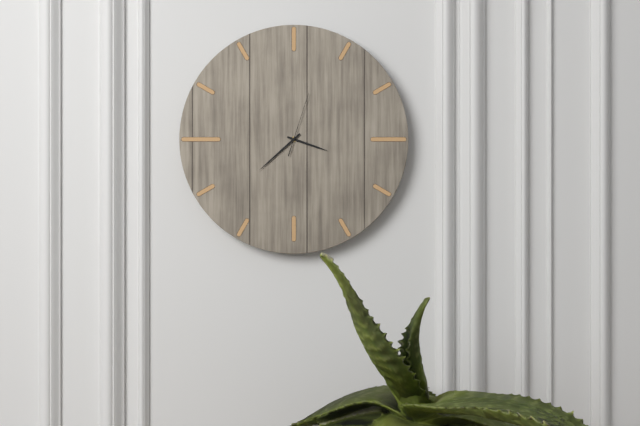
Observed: 3 h 38 min 03 s
